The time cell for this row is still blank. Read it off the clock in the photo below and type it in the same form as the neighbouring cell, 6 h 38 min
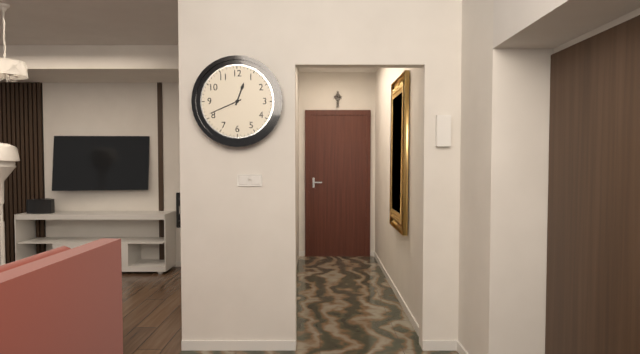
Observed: 12 h 41 min
